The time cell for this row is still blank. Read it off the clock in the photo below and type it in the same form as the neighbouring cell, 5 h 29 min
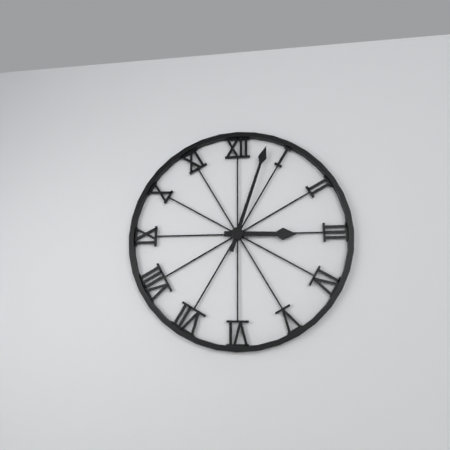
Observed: 3 h 03 min
